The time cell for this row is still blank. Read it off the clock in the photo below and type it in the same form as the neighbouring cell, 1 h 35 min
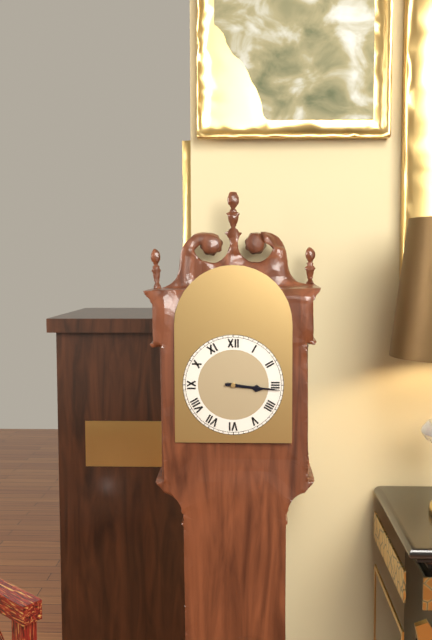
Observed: 3 h 16 min
